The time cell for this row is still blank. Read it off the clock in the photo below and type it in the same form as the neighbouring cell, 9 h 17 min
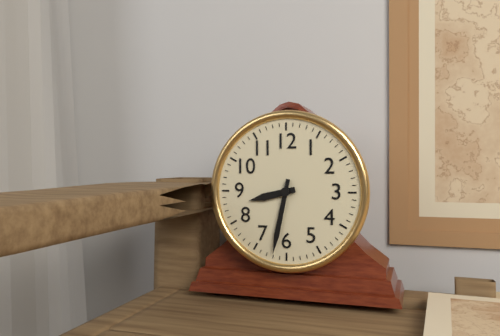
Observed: 8 h 32 min
